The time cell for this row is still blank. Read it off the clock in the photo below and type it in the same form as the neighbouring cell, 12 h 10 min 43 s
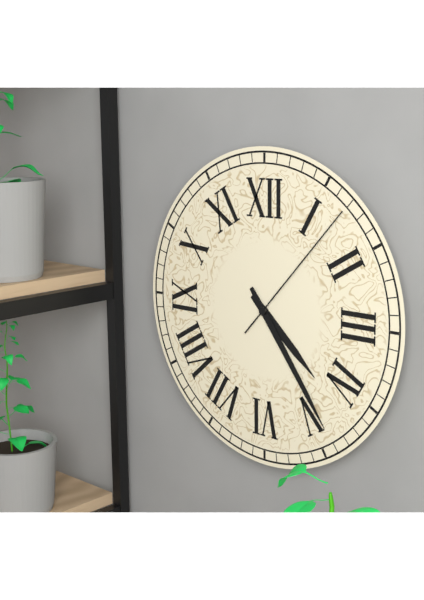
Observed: 4 h 24 min 07 s
